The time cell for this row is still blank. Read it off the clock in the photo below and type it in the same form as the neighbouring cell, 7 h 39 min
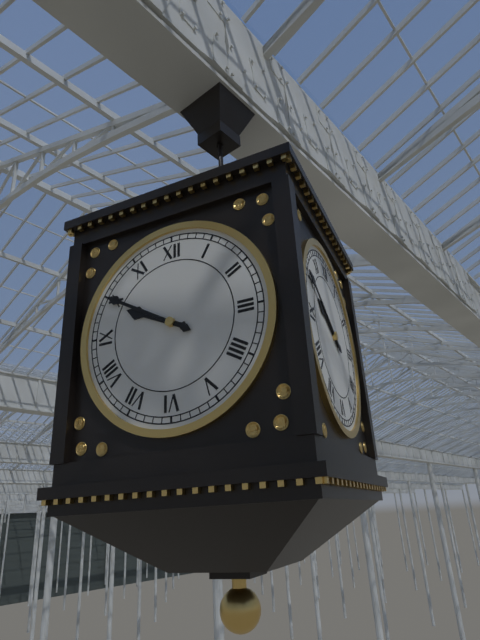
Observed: 9 h 50 min
